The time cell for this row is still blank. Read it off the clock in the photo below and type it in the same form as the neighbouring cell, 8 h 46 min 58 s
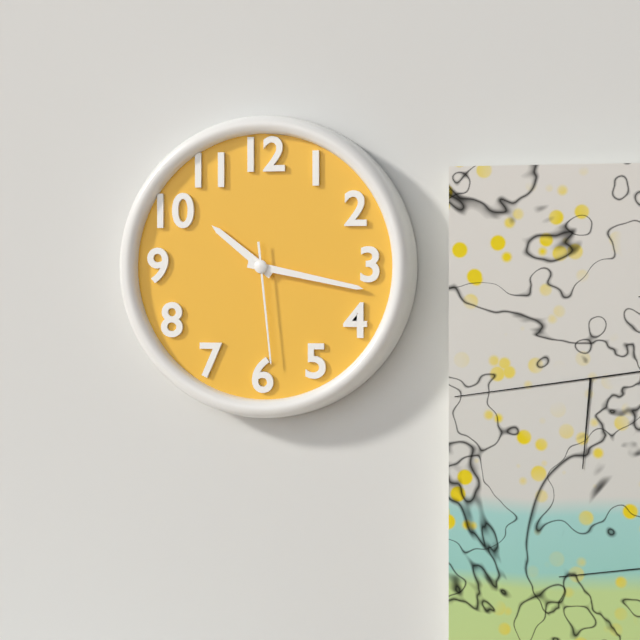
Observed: 10 h 17 min 29 s
